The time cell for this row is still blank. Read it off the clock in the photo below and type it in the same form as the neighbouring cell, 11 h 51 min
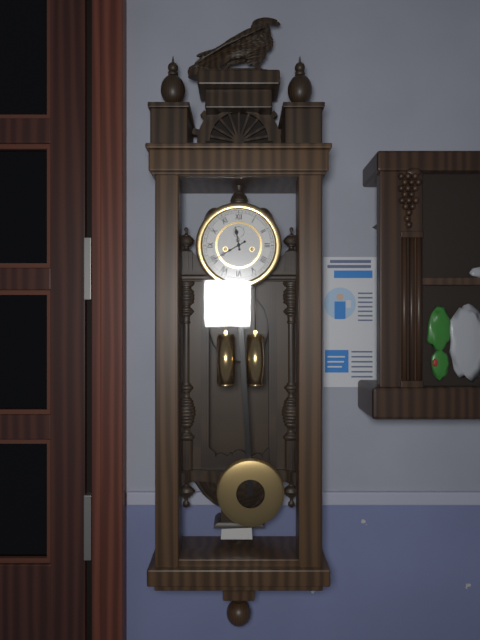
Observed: 11 h 40 min
